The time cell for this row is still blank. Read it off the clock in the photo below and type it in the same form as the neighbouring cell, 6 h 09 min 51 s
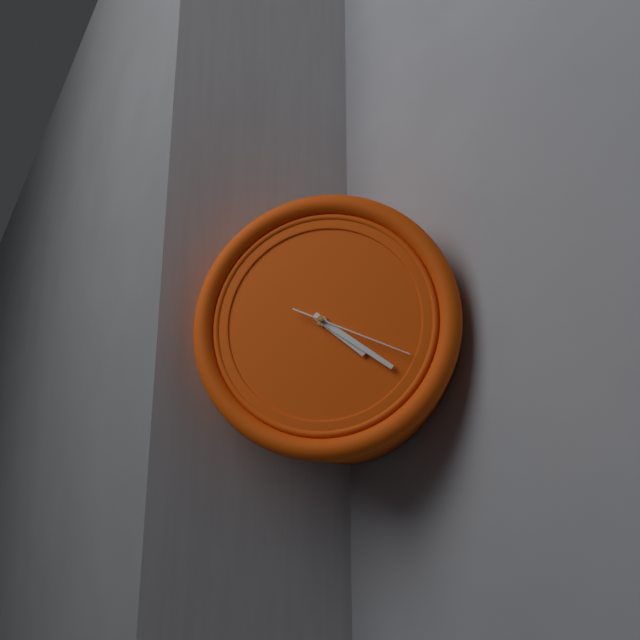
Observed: 4 h 21 min 19 s
